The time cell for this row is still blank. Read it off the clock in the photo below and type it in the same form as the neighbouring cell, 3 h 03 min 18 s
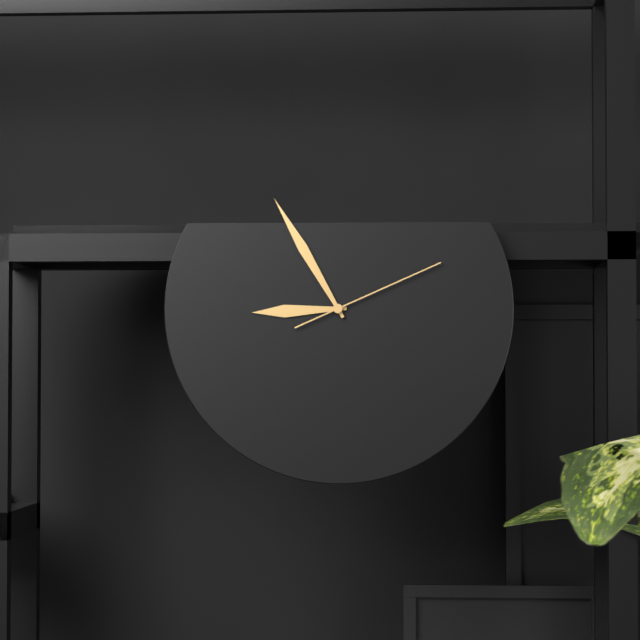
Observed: 8 h 55 min 11 s
